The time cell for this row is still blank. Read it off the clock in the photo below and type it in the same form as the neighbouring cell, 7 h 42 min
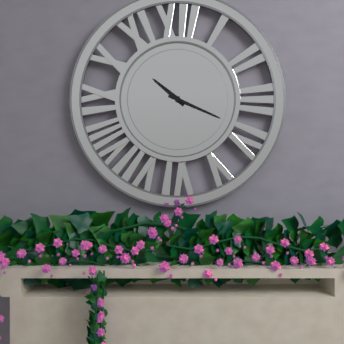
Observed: 10 h 19 min
